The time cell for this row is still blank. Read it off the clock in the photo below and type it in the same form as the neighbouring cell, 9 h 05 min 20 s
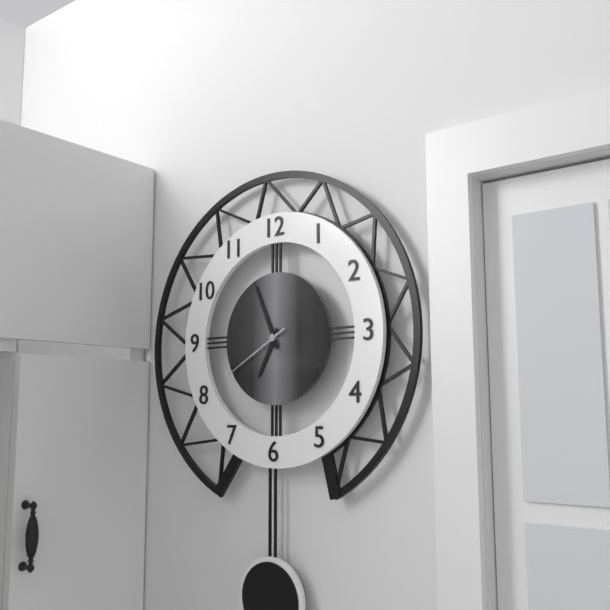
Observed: 6 h 56 min 40 s
